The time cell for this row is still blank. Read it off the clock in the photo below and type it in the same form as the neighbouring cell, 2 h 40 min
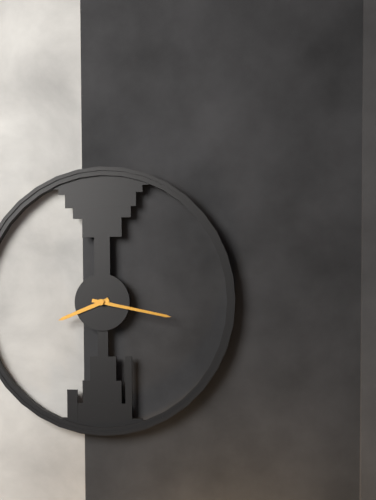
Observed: 8 h 17 min
